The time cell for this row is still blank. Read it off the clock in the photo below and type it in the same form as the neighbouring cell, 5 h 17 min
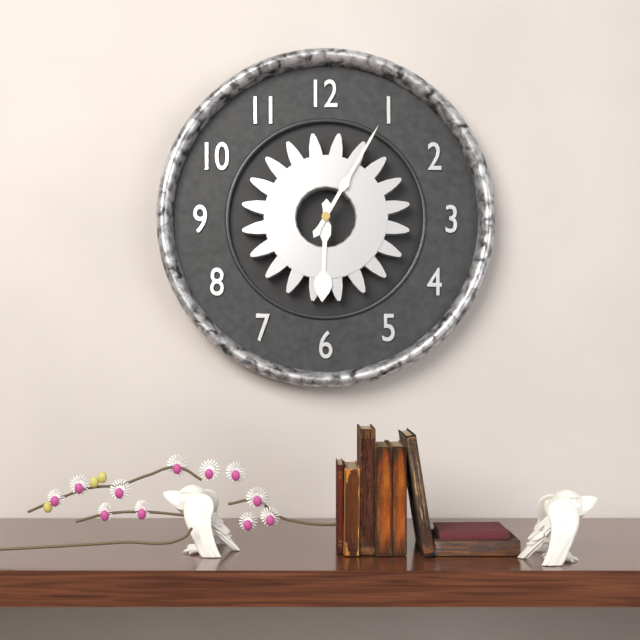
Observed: 6 h 05 min
